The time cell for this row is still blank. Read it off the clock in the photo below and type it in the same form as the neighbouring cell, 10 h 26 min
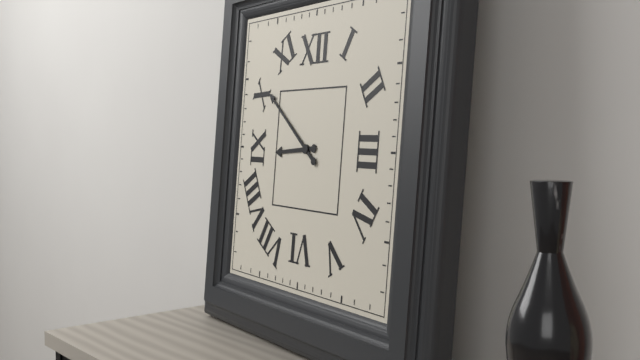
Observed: 8 h 51 min
